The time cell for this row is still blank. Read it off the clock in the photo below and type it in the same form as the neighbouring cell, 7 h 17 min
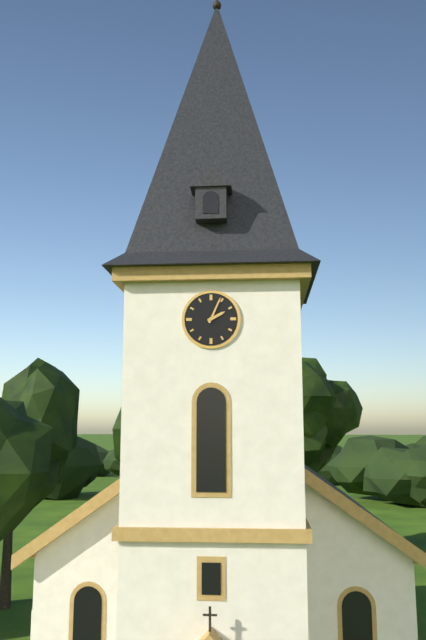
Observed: 2 h 04 min
